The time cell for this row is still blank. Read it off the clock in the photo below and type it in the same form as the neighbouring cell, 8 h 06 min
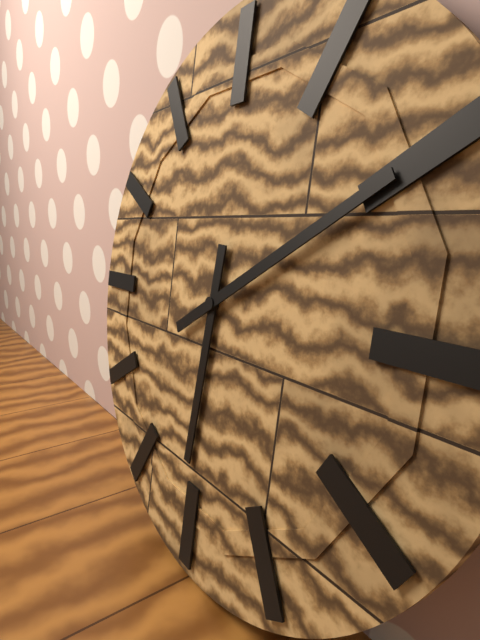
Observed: 6 h 10 min
